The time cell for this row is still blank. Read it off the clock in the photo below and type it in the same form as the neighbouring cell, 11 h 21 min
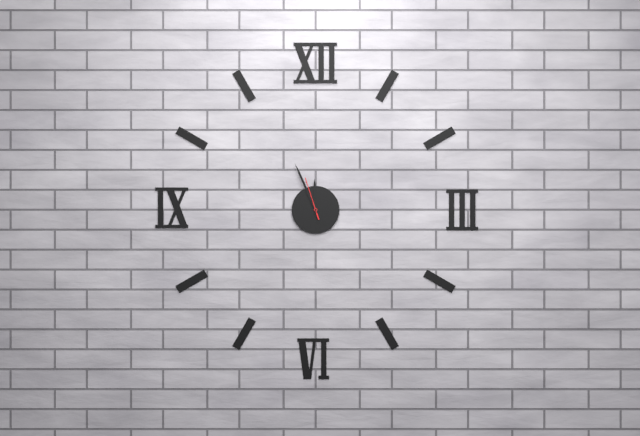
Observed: 11 h 56 min
